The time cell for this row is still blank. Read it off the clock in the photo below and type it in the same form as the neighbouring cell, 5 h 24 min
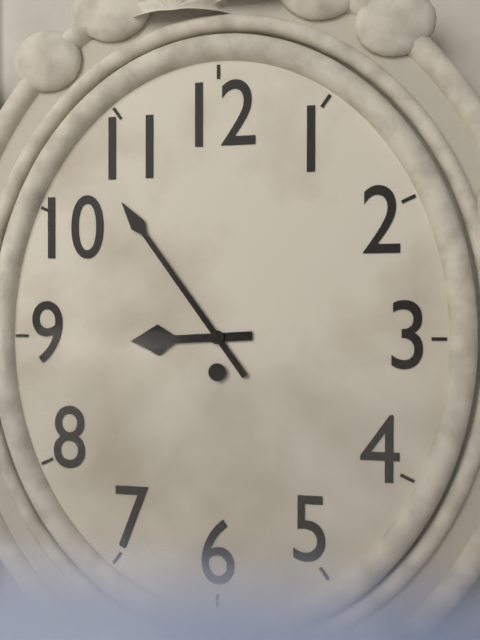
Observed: 8 h 54 min
